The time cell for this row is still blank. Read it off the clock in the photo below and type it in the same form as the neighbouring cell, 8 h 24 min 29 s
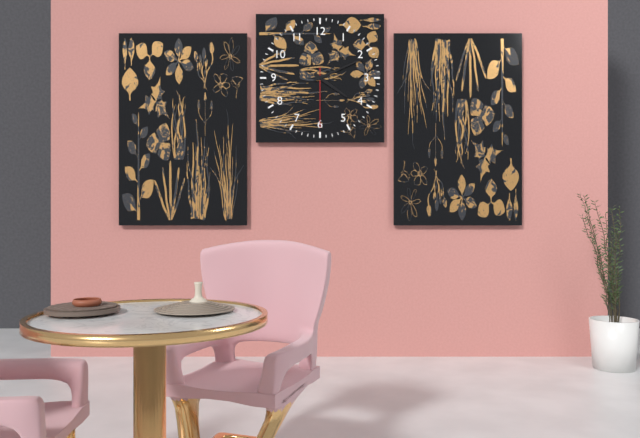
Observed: 4 h 11 min 30 s
